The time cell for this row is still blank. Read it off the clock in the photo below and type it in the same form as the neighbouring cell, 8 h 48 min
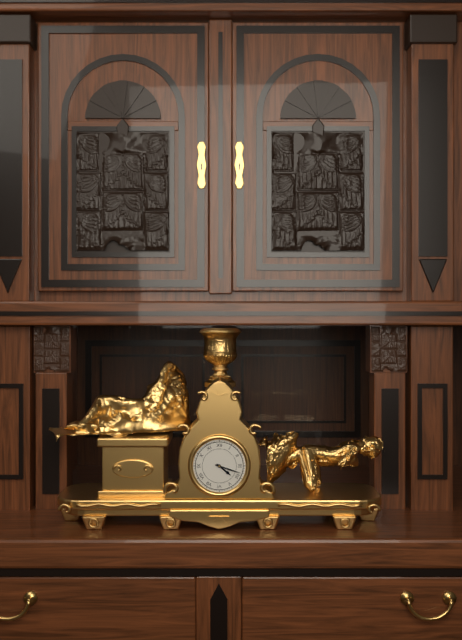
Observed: 4 h 18 min
